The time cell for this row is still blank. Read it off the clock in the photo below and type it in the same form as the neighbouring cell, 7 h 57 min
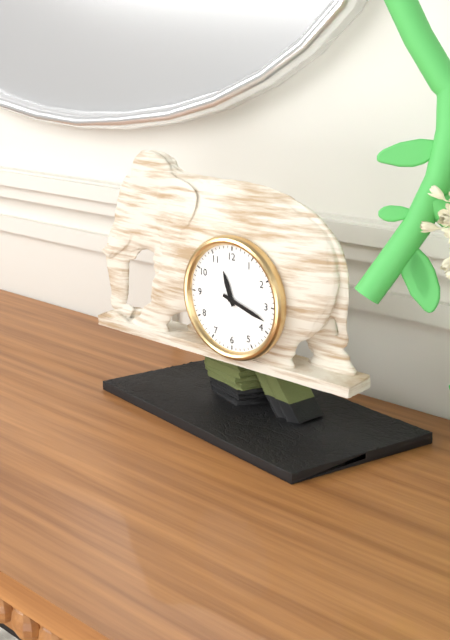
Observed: 11 h 18 min
